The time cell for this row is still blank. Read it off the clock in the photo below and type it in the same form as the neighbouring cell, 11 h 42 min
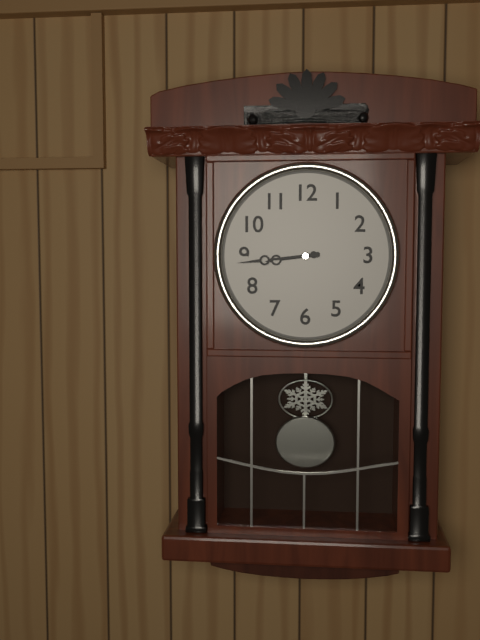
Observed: 8 h 44 min
